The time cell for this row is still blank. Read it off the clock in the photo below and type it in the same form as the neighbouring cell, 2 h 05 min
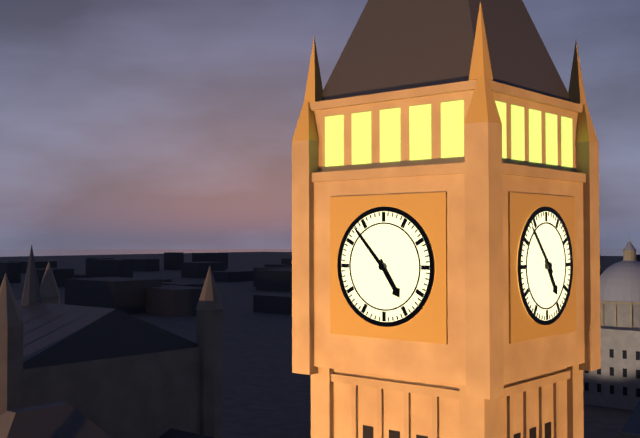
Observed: 4 h 53 min
